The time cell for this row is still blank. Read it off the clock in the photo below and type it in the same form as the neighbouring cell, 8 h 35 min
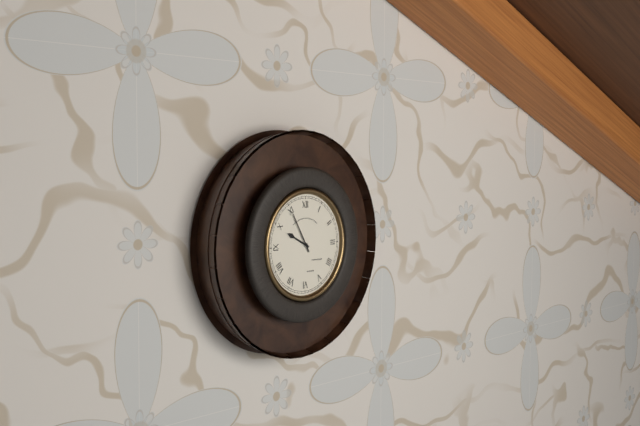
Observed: 9 h 55 min
